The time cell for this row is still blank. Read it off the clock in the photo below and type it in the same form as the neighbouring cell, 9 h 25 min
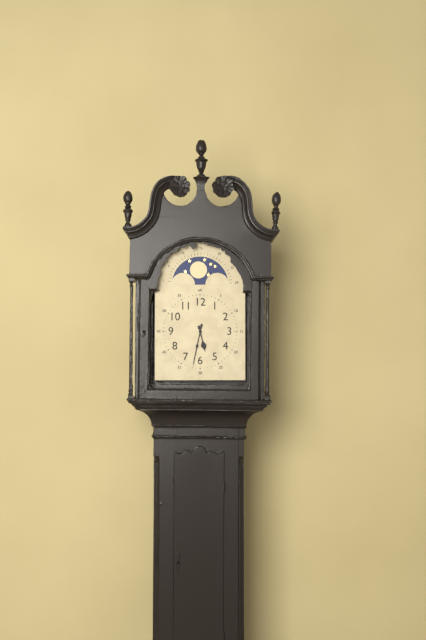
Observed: 5 h 32 min
